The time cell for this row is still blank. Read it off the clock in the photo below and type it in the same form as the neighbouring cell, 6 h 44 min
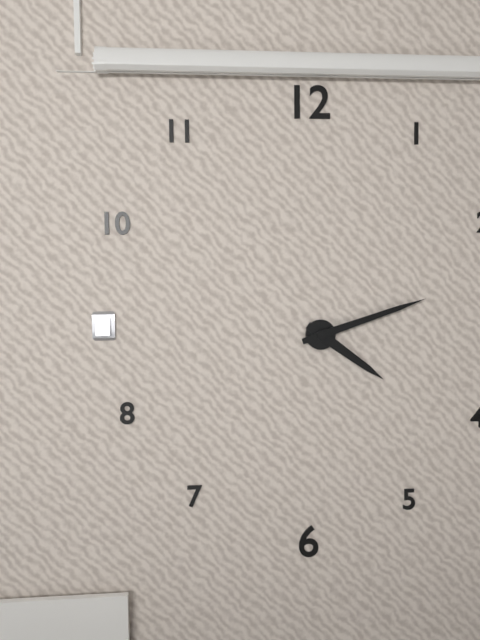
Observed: 4 h 12 min
